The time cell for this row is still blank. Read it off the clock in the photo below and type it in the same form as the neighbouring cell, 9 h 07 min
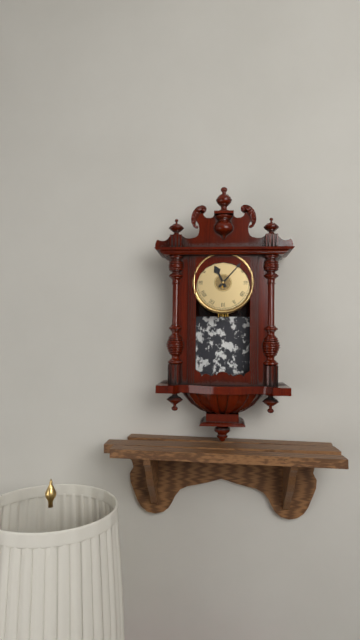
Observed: 11 h 07 min
